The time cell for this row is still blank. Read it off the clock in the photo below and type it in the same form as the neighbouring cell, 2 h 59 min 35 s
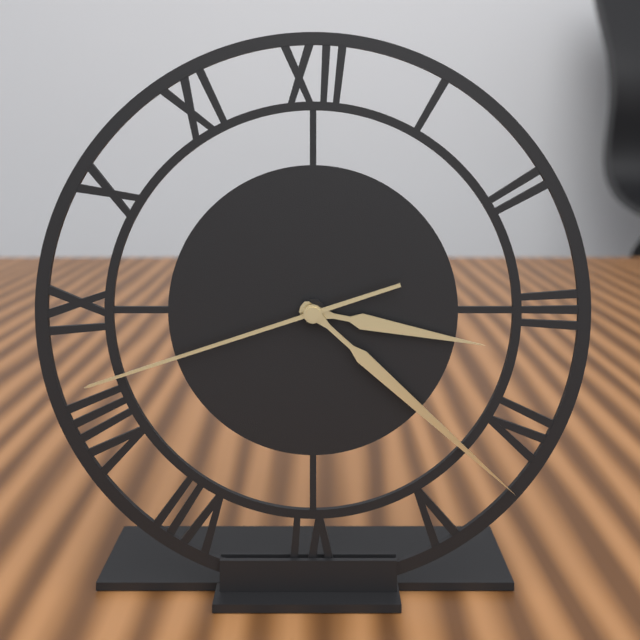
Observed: 3 h 22 min 42 s
